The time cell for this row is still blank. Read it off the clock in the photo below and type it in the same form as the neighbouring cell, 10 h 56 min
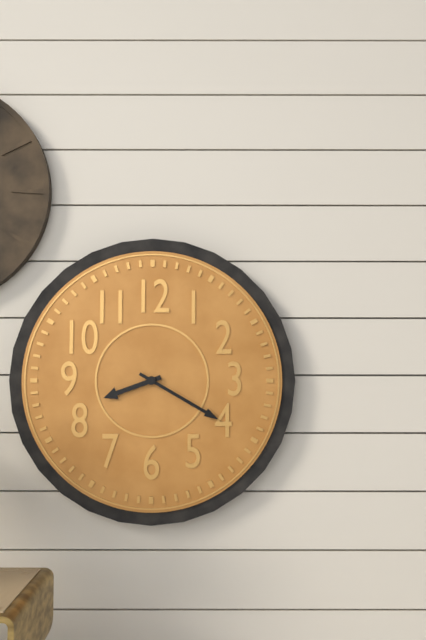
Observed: 8 h 20 min
